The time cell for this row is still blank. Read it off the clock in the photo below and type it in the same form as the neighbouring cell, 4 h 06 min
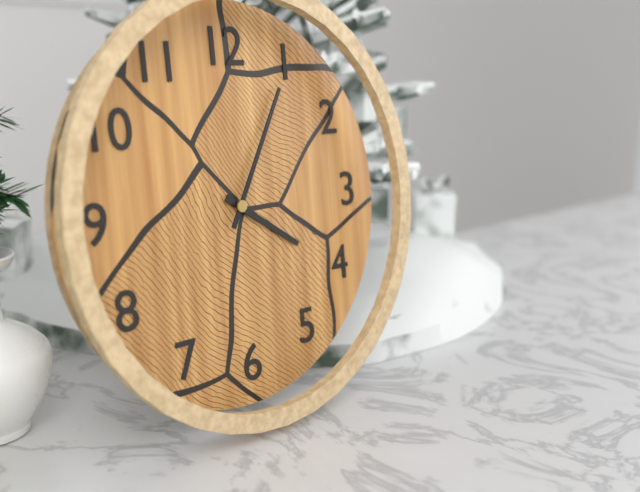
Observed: 4 h 05 min
